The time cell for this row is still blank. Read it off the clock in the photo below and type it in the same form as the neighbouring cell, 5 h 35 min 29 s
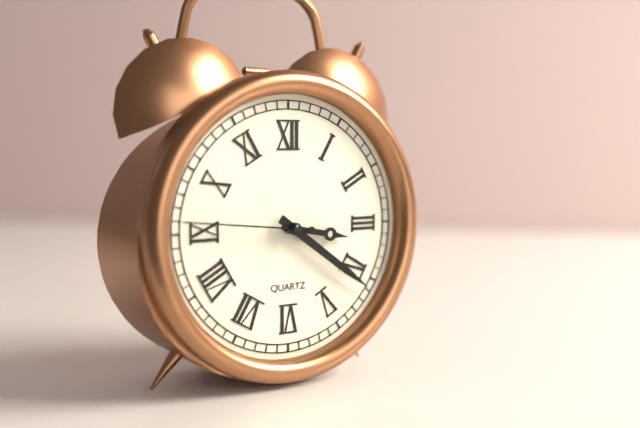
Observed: 3 h 21 min 46 s
